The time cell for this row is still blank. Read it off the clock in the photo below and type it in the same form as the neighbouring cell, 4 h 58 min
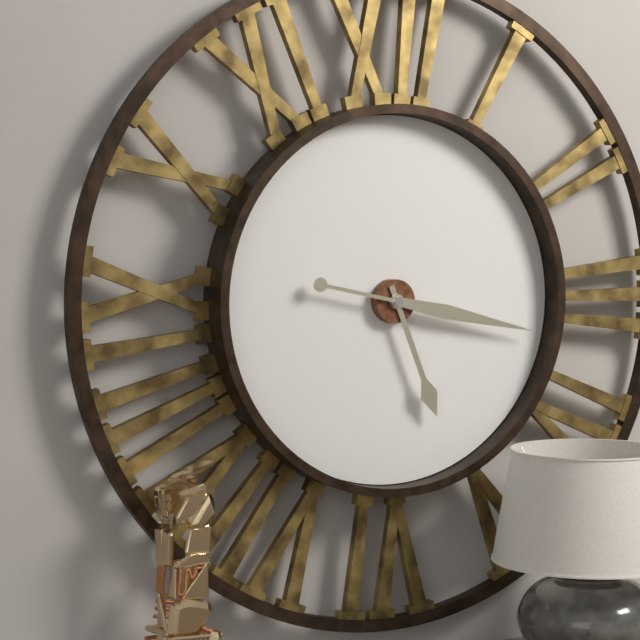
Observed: 5 h 17 min
